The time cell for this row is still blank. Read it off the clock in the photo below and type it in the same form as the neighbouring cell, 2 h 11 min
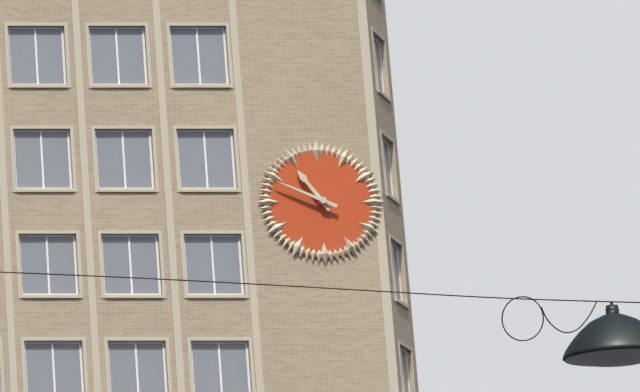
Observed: 10 h 49 min
